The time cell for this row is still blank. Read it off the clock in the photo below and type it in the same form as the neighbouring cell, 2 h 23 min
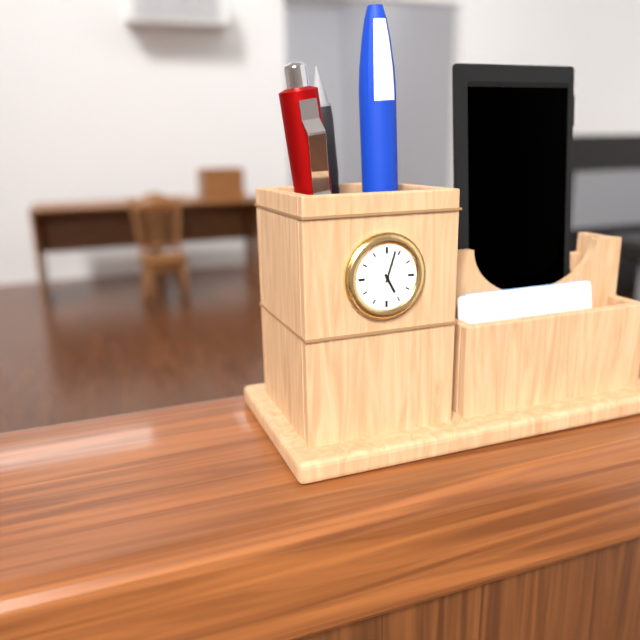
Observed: 5 h 03 min
